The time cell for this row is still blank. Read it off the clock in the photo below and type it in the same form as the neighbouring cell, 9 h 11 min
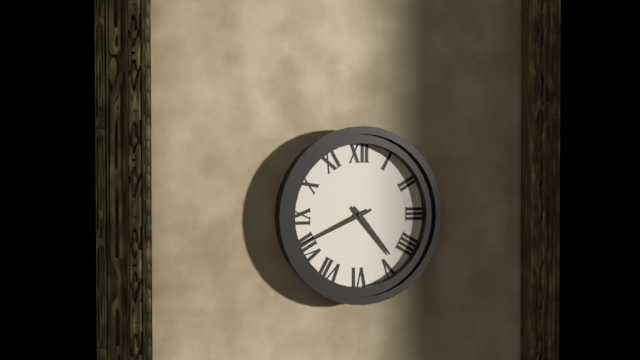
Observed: 4 h 41 min
